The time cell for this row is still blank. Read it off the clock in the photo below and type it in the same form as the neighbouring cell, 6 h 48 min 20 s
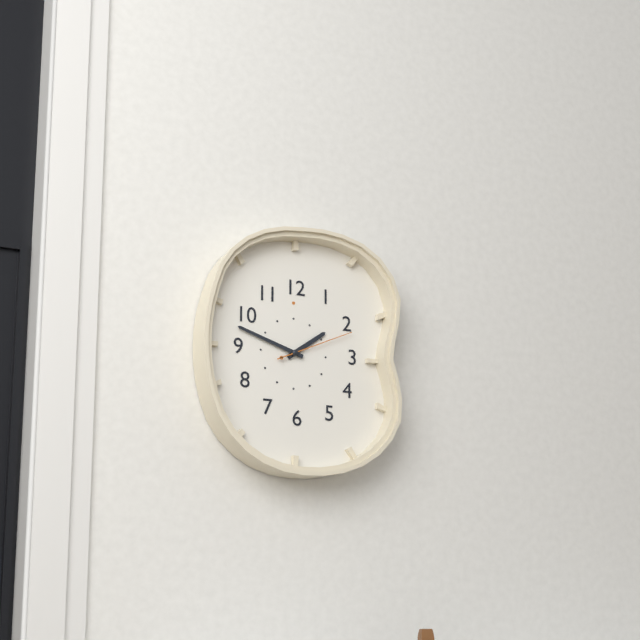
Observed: 1 h 48 min 11 s
